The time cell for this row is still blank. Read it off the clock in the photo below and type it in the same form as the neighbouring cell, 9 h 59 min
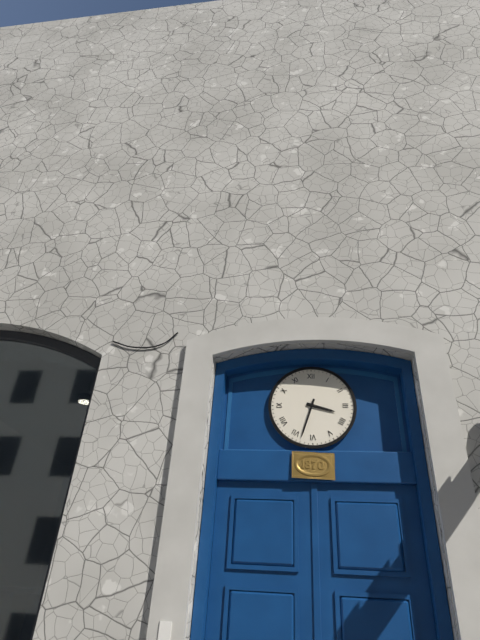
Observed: 3 h 33 min
